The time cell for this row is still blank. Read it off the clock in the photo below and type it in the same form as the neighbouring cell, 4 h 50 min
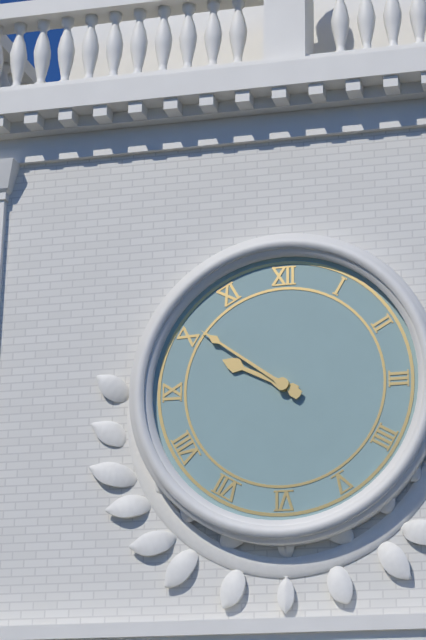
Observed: 9 h 51 min
